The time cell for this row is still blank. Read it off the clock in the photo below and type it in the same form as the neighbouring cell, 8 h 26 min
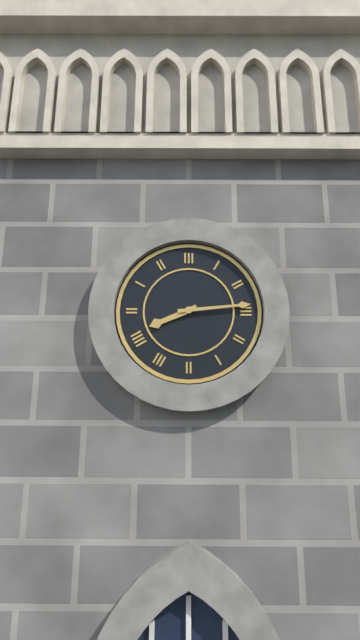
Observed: 8 h 14 min
